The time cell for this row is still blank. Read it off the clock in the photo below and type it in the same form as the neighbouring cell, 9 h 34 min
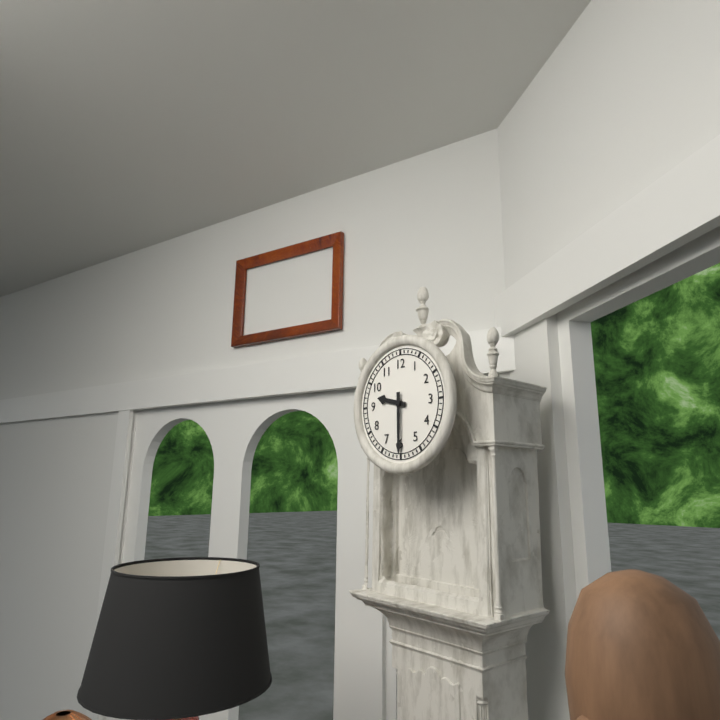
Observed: 9 h 30 min
